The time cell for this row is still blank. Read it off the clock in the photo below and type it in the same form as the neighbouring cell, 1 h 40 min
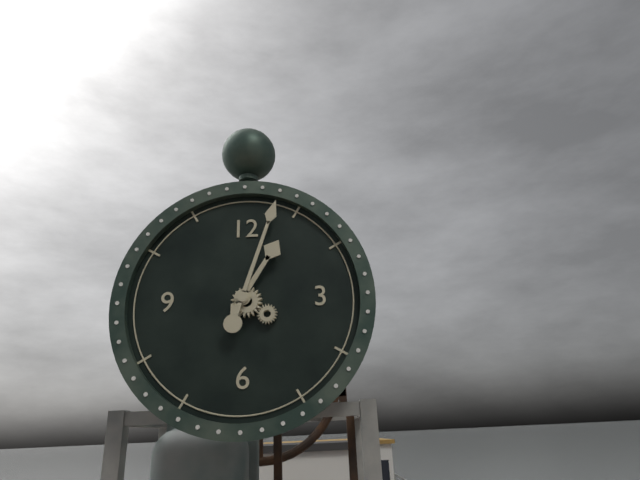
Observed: 1 h 03 min
